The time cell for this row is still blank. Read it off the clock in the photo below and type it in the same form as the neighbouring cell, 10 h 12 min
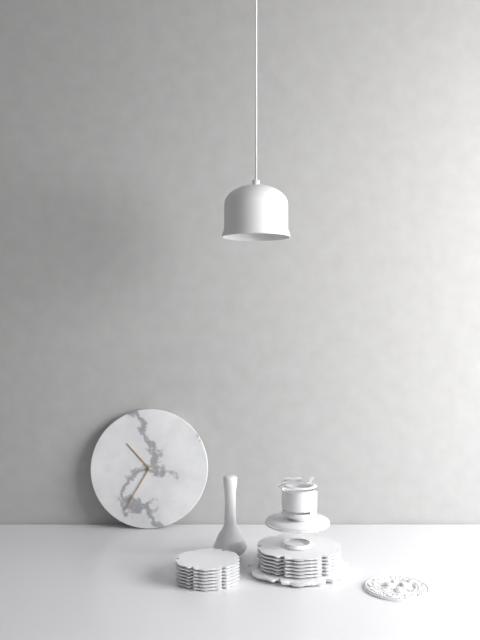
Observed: 10 h 35 min
